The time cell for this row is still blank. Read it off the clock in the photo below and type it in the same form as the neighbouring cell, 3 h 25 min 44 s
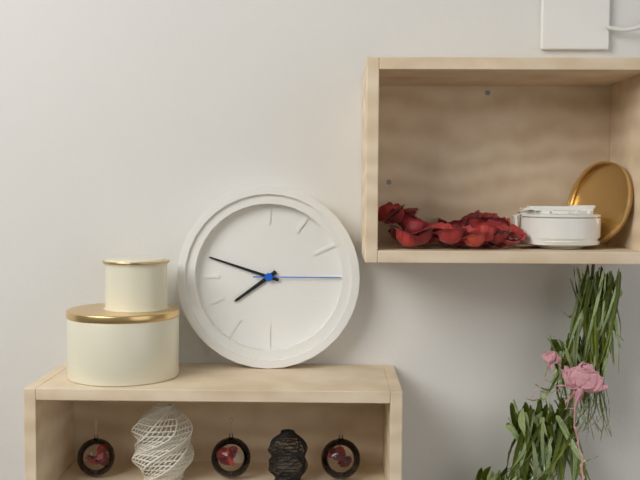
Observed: 7 h 48 min 15 s
